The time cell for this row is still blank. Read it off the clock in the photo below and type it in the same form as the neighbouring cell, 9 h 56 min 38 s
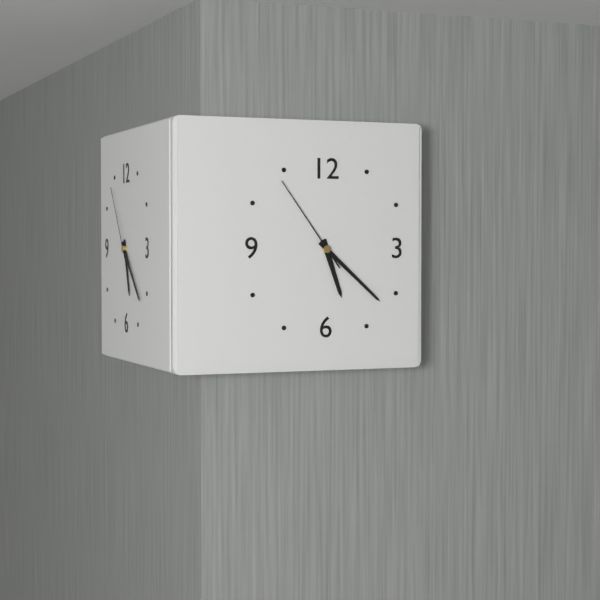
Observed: 5 h 22 min 54 s
